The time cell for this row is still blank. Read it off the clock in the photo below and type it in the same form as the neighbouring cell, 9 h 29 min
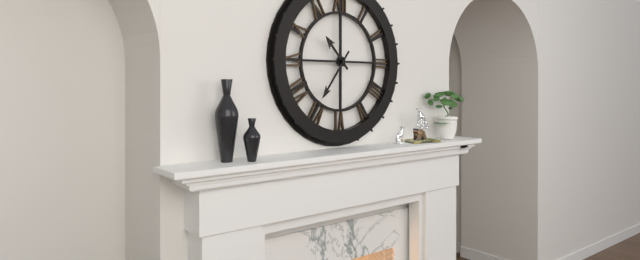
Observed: 10 h 36 min
